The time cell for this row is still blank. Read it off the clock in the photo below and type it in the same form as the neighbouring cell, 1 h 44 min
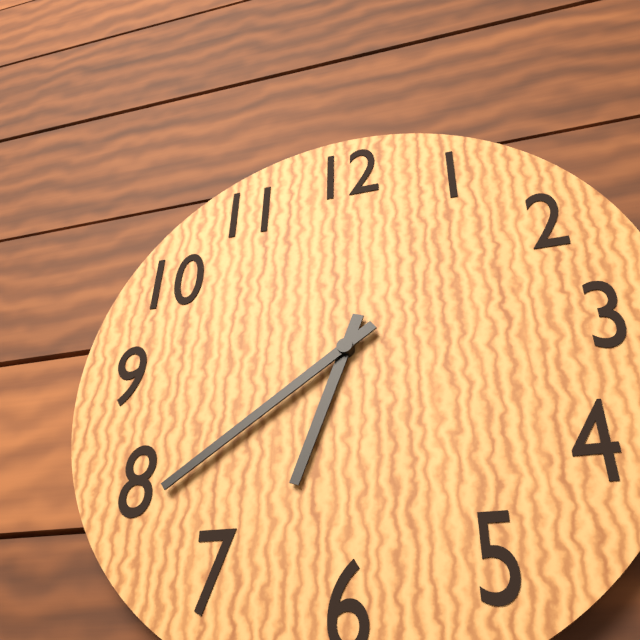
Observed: 6 h 39 min
